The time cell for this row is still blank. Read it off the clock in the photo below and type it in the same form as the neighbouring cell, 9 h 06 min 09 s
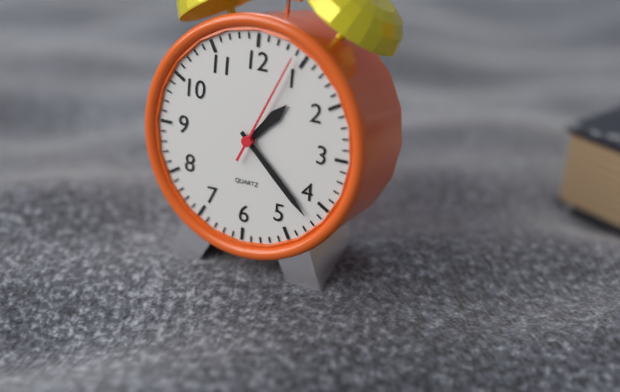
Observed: 1 h 22 min 04 s
